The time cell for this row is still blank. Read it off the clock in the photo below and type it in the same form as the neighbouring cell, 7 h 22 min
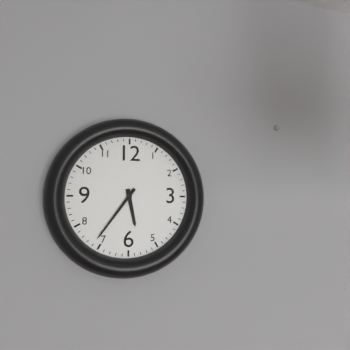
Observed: 5 h 36 min
